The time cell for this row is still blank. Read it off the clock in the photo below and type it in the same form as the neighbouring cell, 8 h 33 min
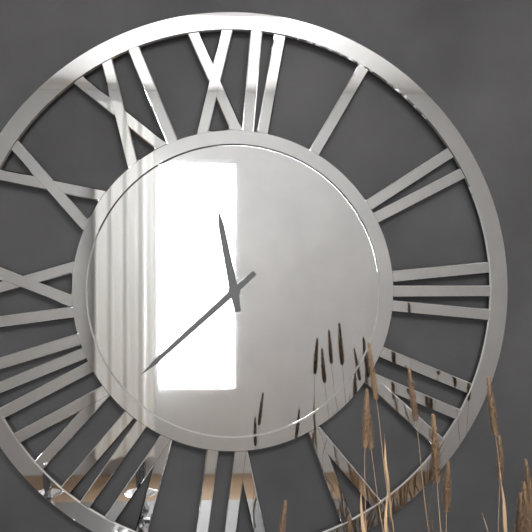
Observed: 11 h 38 min
